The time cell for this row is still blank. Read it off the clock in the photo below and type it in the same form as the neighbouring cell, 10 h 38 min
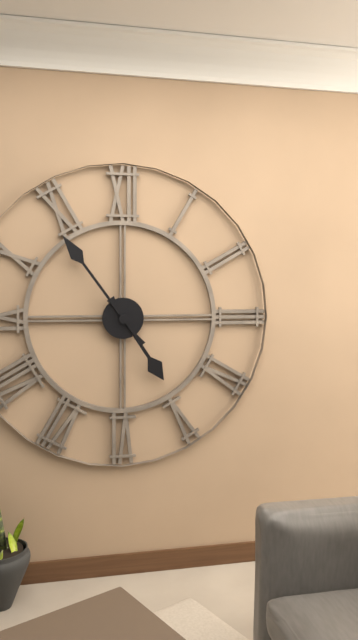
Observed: 4 h 54 min
